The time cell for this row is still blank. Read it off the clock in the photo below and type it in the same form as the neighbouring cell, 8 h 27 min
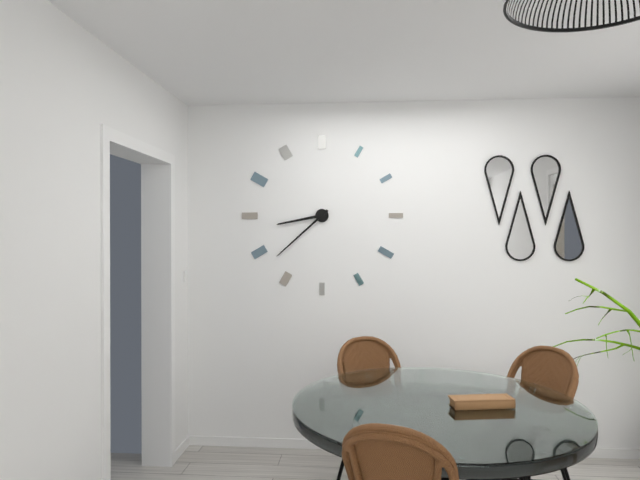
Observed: 8 h 38 min
